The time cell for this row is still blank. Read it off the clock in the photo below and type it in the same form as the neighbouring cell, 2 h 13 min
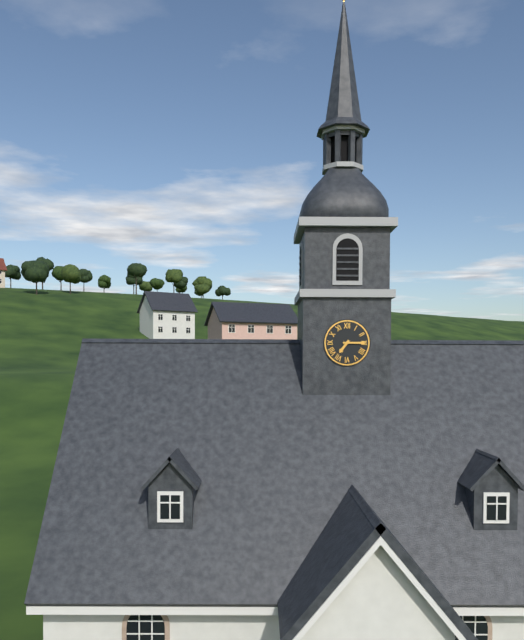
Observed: 7 h 15 min
